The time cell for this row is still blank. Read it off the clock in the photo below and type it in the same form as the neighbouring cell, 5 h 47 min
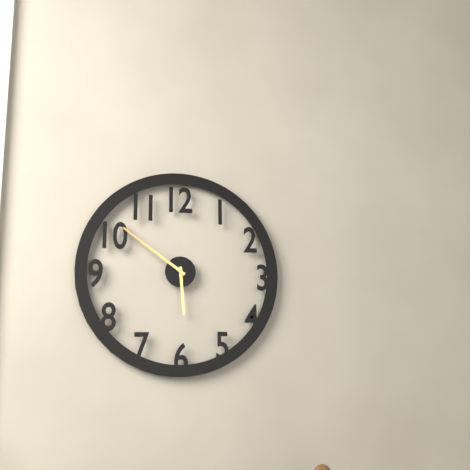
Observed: 5 h 51 min
